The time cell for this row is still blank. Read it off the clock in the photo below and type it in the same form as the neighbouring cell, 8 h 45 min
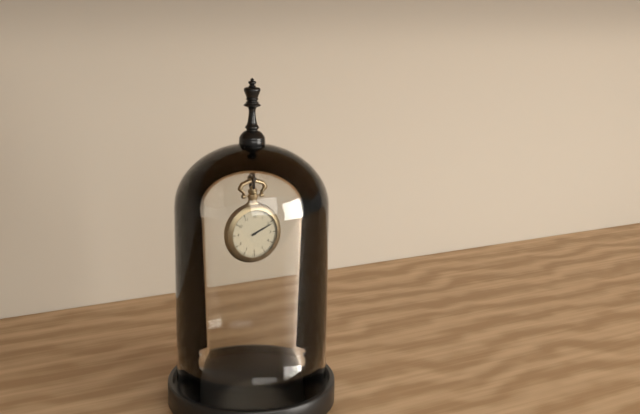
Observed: 2 h 11 min
